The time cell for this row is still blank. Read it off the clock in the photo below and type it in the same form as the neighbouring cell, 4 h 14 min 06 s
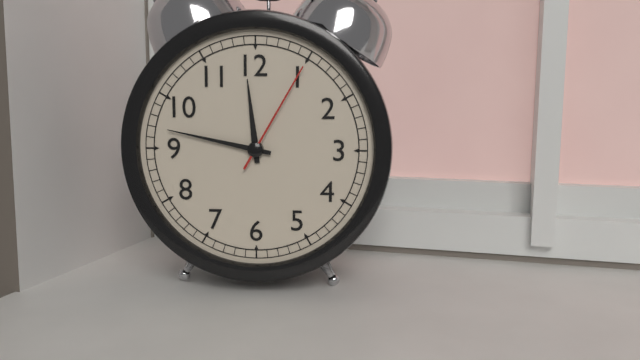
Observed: 11 h 47 min 05 s
